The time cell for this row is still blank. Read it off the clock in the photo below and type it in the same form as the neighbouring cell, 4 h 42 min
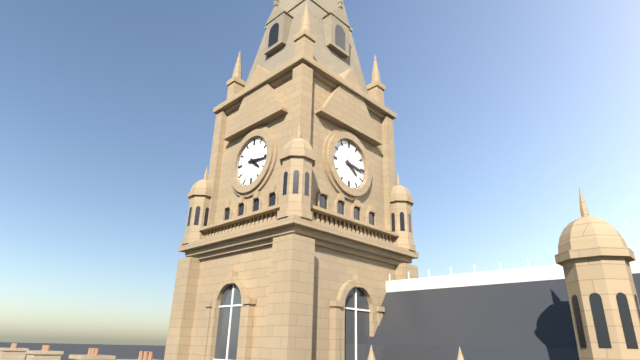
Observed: 4 h 16 min
